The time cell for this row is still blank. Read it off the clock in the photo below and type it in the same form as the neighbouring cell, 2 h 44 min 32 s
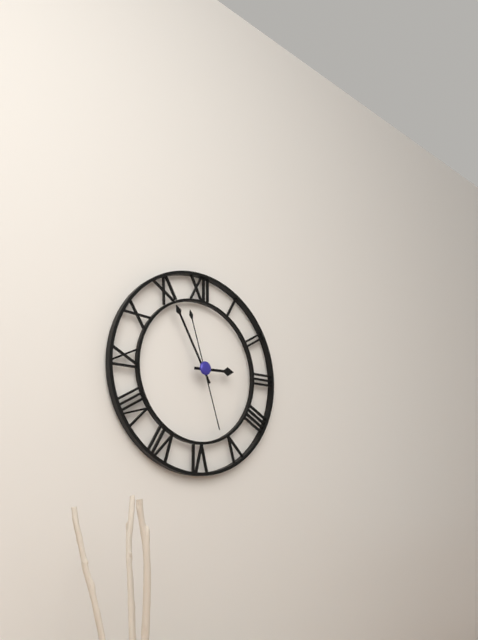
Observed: 2 h 55 min 27 s
